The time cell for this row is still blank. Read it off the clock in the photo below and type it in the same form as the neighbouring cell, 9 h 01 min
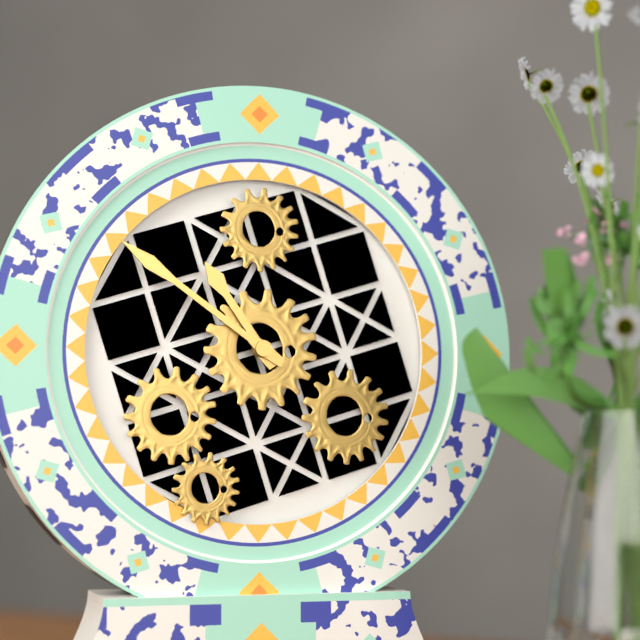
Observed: 10 h 51 min
